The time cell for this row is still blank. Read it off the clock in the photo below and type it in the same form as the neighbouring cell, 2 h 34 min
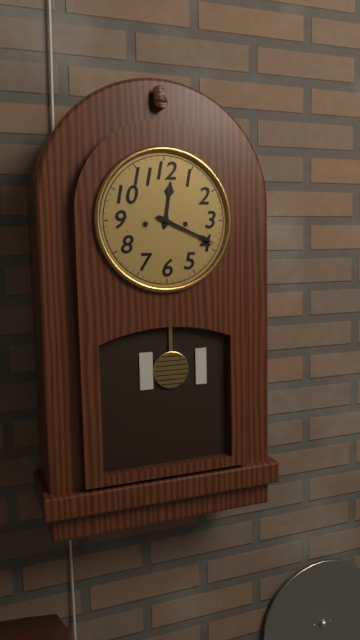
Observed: 12 h 19 min
